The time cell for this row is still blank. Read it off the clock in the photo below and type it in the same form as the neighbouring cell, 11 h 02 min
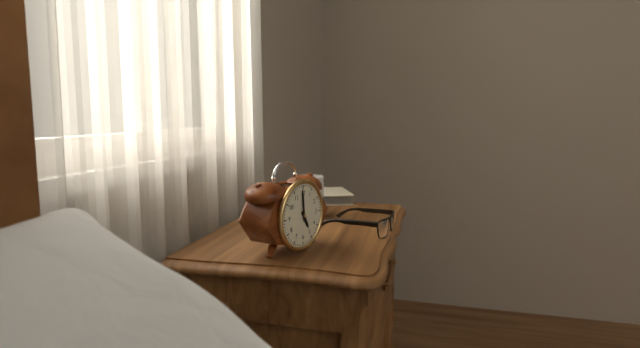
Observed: 4 h 59 min
